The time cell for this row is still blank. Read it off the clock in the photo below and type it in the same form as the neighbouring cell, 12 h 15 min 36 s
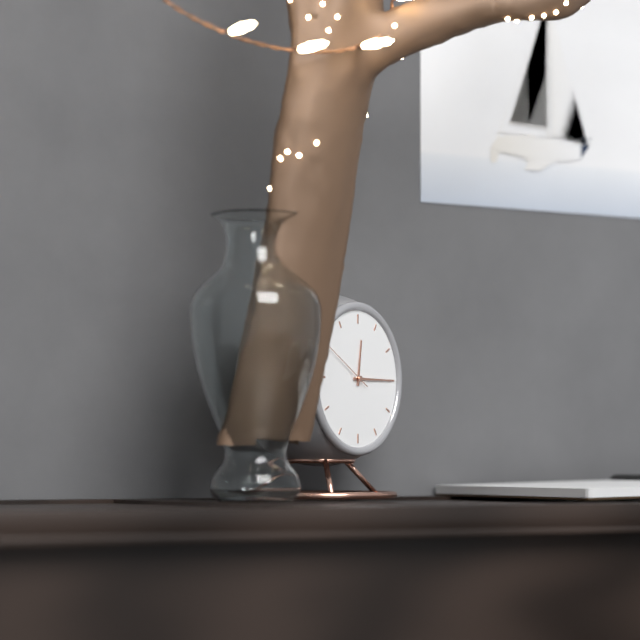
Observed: 12 h 15 min 50 s
